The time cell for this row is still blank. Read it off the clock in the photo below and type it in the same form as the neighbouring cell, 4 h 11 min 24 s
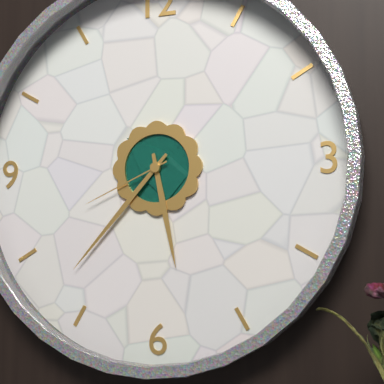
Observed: 5 h 37 min 41 s
